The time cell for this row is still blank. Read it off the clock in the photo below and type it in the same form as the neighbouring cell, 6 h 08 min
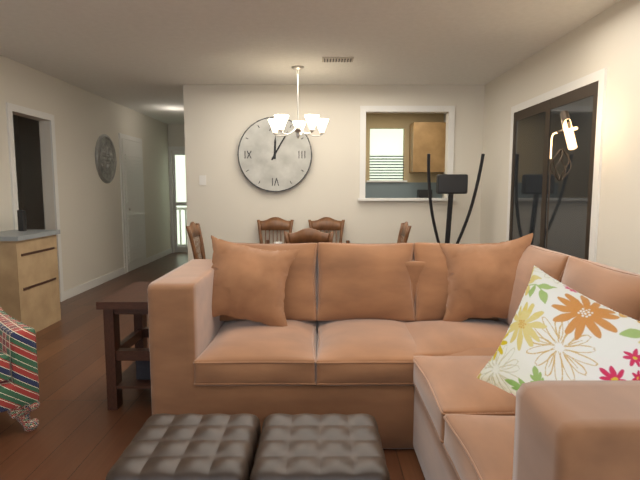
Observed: 12 h 05 min
